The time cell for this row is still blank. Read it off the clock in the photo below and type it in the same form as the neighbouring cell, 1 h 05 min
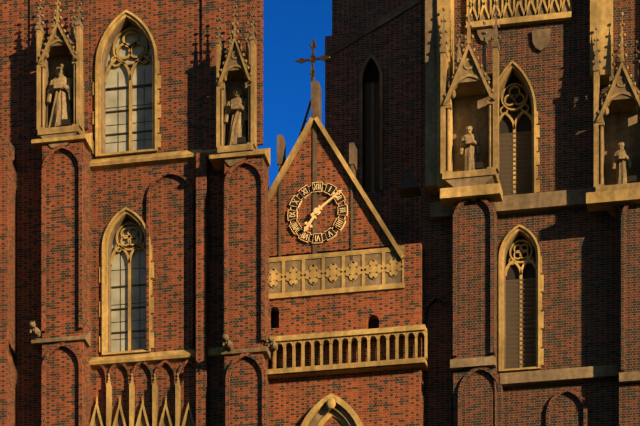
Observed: 7 h 09 min
